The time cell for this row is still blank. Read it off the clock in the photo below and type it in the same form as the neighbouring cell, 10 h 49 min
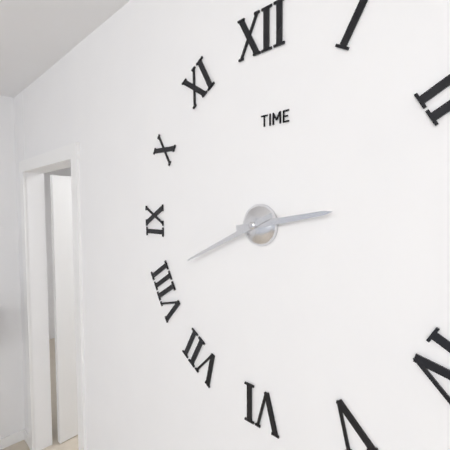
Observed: 2 h 41 min
